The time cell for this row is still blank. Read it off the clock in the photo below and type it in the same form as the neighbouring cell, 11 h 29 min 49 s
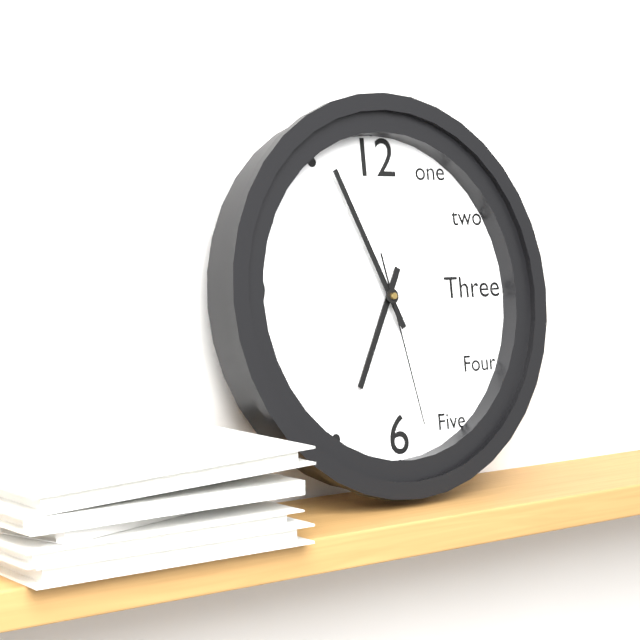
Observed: 6 h 56 min 28 s
